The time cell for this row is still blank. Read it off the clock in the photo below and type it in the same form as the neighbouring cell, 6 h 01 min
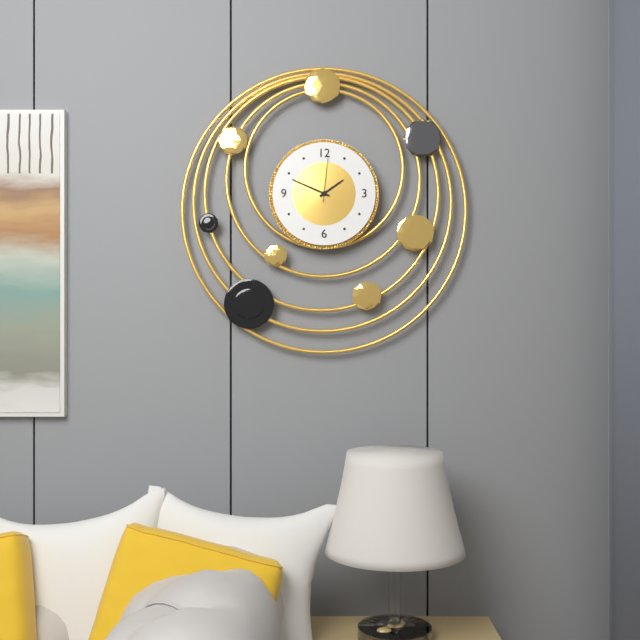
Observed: 1 h 49 min
